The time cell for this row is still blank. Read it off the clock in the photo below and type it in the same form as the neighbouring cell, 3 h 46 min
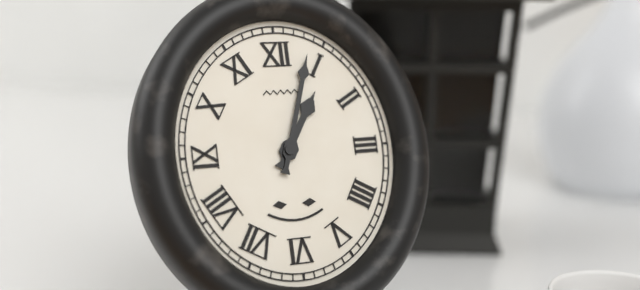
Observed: 1 h 03 min
